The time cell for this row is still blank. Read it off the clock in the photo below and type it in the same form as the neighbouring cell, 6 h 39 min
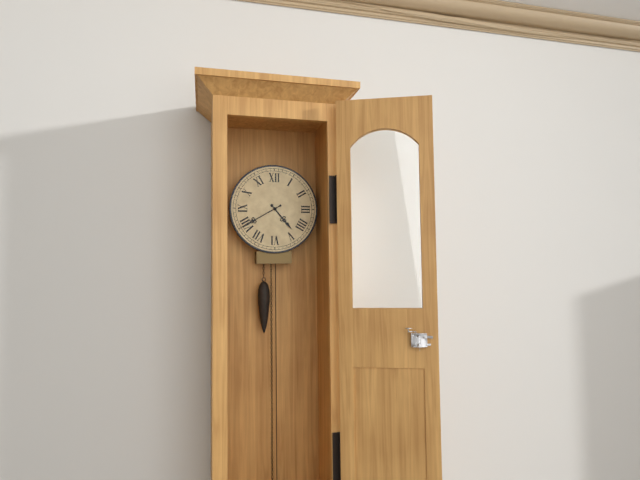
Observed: 4 h 40 min
